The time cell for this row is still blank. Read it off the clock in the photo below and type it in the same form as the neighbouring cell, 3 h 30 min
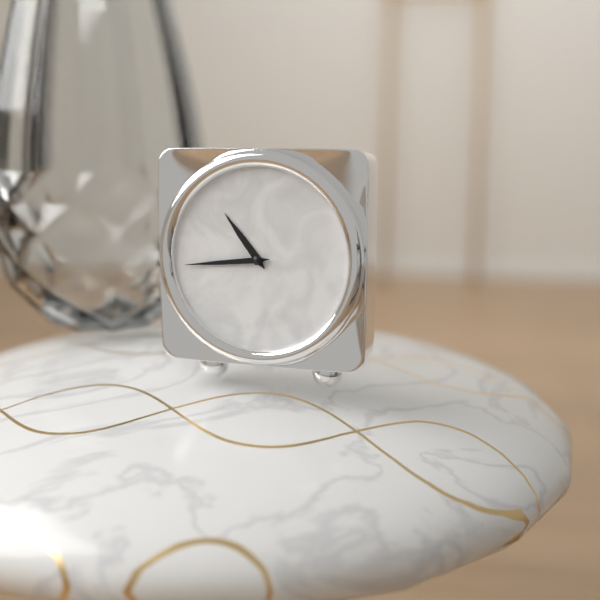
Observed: 10 h 44 min
